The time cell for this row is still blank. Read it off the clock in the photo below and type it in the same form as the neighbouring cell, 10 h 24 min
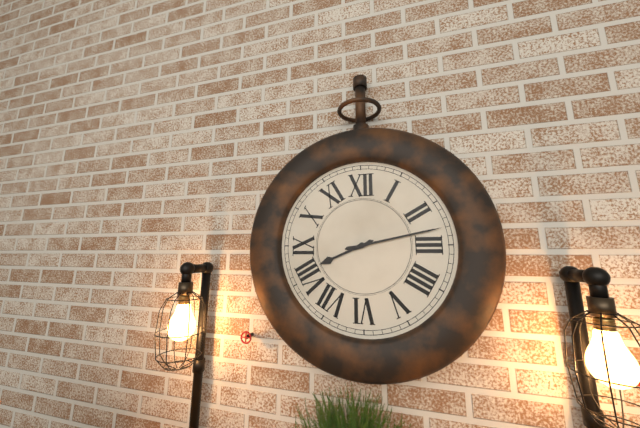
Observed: 8 h 13 min
